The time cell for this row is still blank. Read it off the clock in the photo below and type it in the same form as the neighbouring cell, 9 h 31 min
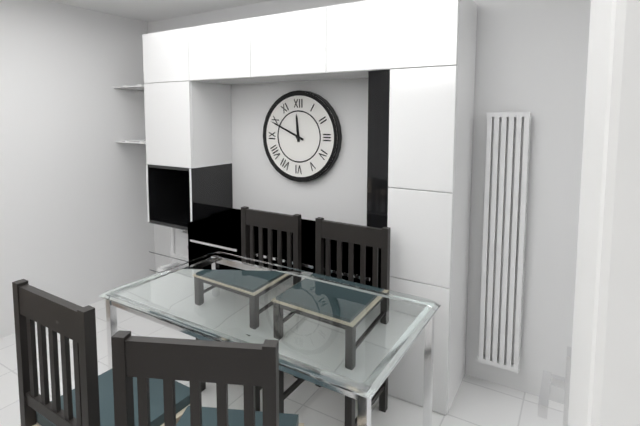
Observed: 11 h 49 min
